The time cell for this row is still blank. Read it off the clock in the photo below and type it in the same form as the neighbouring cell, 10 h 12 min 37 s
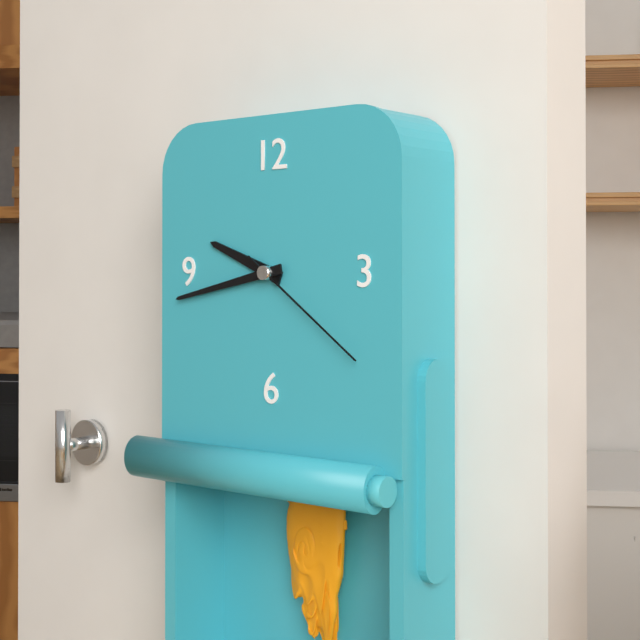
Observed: 9 h 43 min 21 s
